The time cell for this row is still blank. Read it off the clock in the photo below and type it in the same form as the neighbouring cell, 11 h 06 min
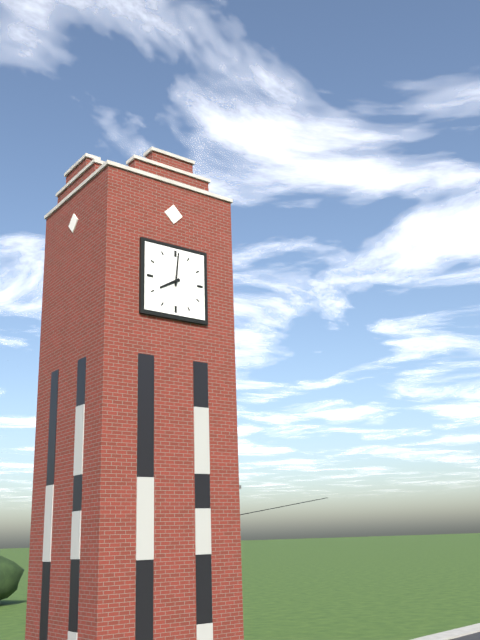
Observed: 8 h 01 min
